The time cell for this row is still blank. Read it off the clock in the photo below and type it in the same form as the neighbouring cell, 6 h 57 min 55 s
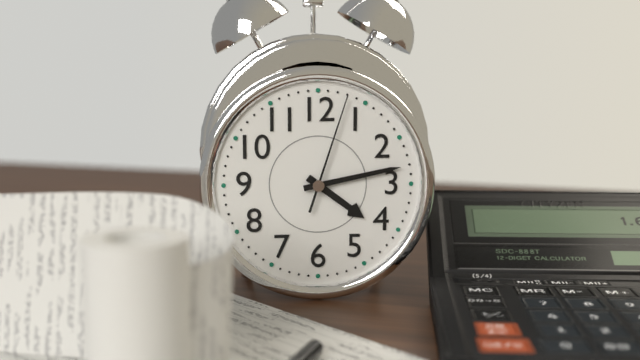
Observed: 4 h 13 min 03 s
